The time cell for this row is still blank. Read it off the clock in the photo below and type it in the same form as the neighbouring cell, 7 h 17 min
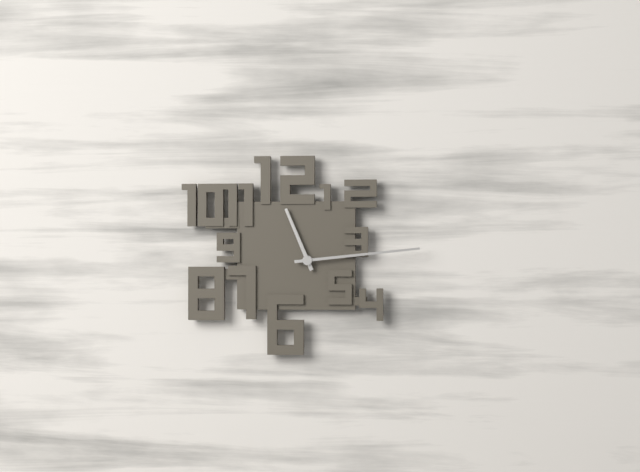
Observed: 11 h 14 min
